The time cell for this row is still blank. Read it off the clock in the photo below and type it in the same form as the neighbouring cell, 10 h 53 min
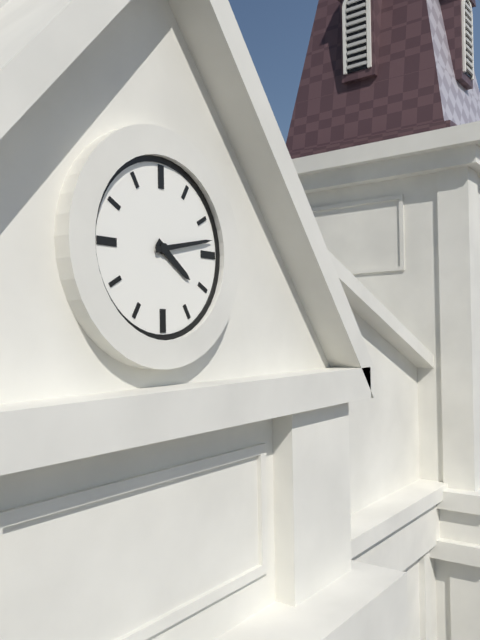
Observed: 4 h 13 min
